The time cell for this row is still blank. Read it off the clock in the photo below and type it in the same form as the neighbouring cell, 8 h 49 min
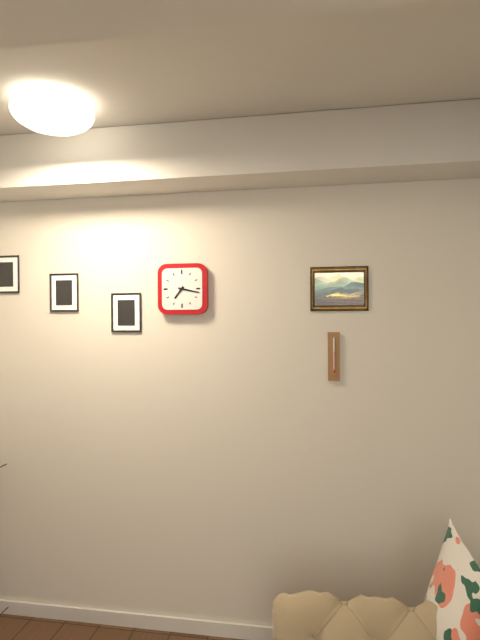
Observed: 7 h 17 min
